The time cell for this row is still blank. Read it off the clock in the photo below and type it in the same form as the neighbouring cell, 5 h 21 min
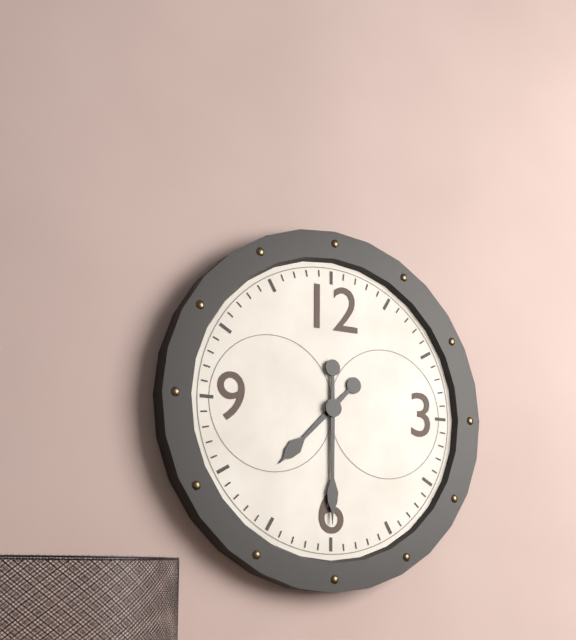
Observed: 7 h 30 min
